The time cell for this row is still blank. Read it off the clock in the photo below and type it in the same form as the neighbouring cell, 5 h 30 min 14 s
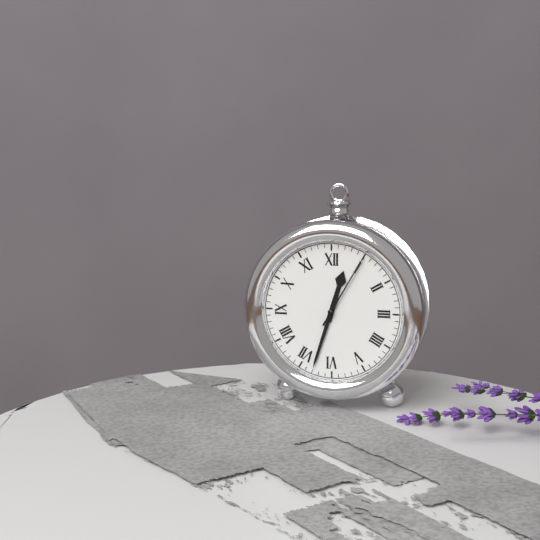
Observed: 12 h 33 min 05 s
